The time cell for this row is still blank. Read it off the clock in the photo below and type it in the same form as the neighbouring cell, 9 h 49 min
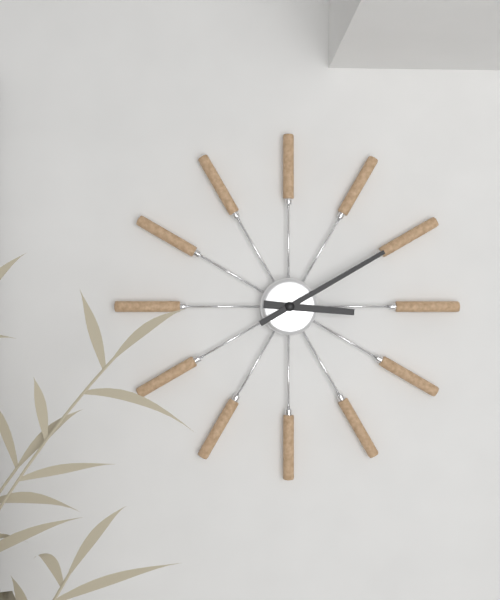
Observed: 3 h 10 min
